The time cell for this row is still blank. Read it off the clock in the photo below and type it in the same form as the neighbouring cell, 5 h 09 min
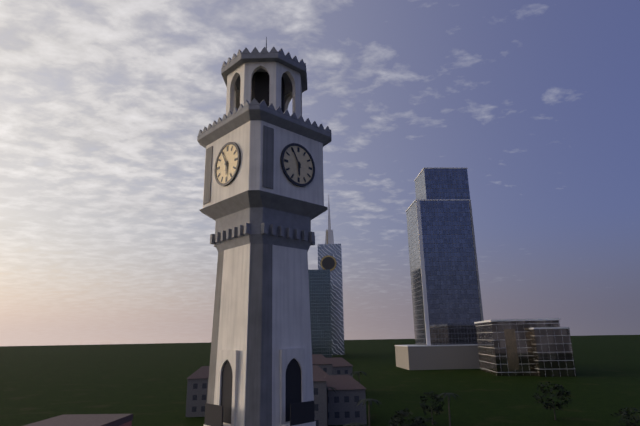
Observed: 5 h 55 min
